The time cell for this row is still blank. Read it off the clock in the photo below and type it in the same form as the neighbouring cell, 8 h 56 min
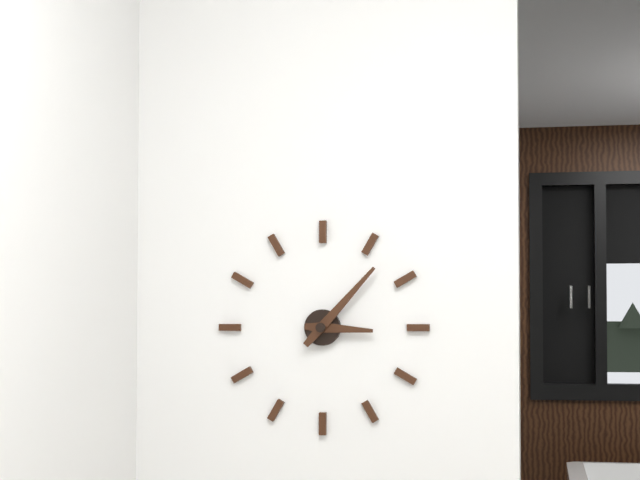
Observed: 3 h 07 min
